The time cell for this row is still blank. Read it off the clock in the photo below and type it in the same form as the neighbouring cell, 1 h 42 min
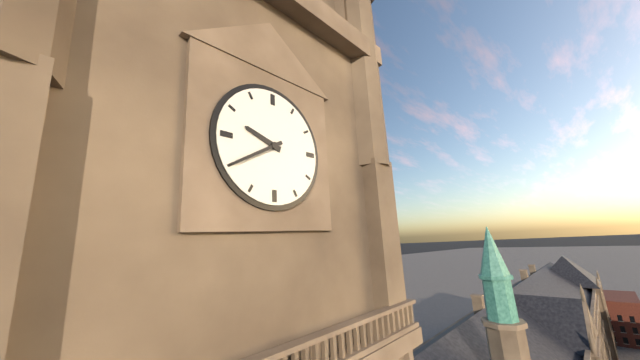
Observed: 9 h 40 min
